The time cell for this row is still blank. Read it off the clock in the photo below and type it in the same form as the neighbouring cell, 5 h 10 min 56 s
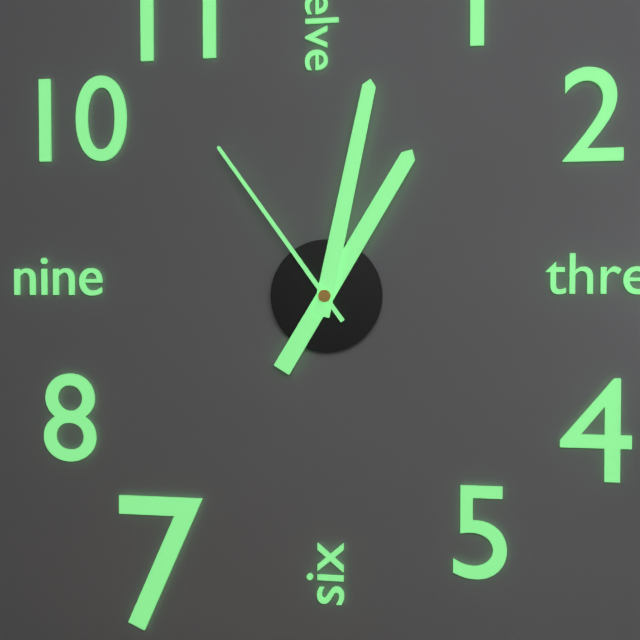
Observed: 1 h 02 min 54 s
